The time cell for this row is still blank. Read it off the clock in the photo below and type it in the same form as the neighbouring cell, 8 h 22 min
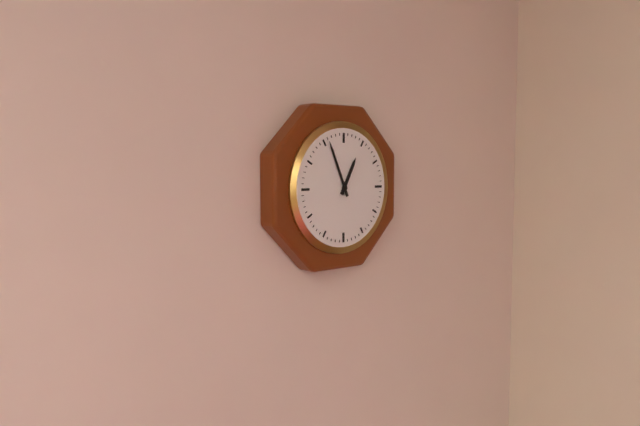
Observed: 12 h 56 min
